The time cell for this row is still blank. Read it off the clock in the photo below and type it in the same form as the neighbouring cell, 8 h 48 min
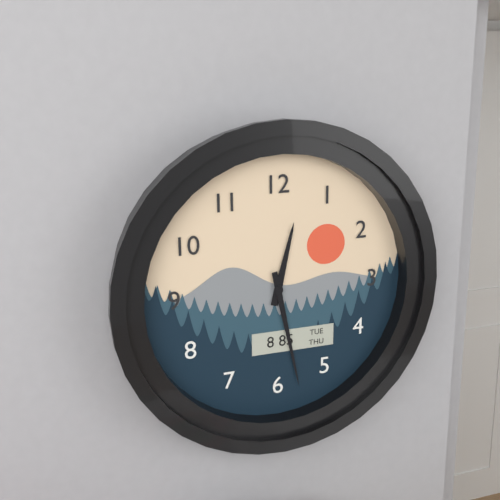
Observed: 12 h 28 min
